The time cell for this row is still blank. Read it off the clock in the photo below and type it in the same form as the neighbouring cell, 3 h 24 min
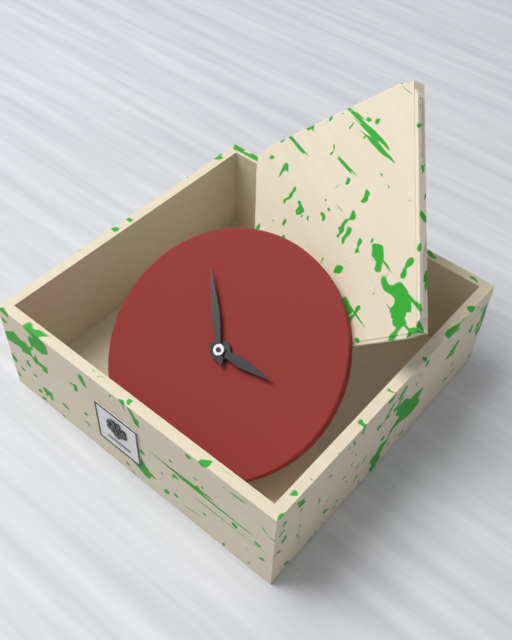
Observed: 2 h 53 min
